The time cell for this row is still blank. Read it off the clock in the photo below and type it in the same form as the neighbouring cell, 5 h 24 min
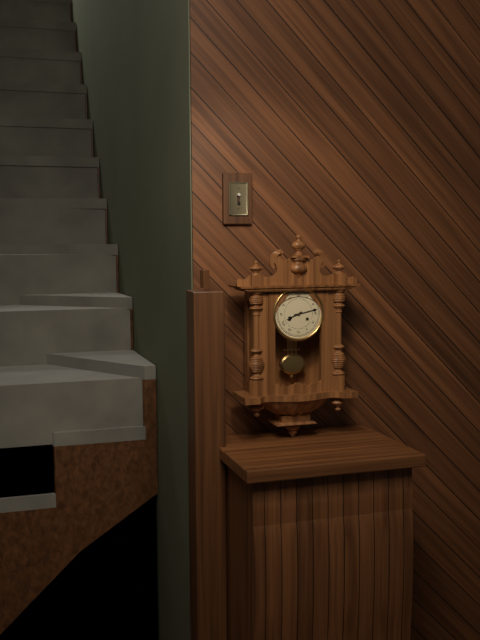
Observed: 8 h 13 min
